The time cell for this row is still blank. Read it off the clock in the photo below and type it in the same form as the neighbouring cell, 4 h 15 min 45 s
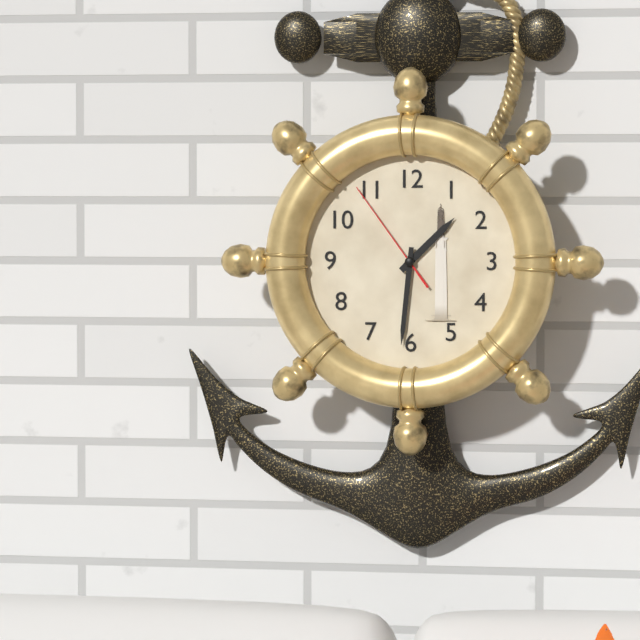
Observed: 1 h 31 min 54 s
